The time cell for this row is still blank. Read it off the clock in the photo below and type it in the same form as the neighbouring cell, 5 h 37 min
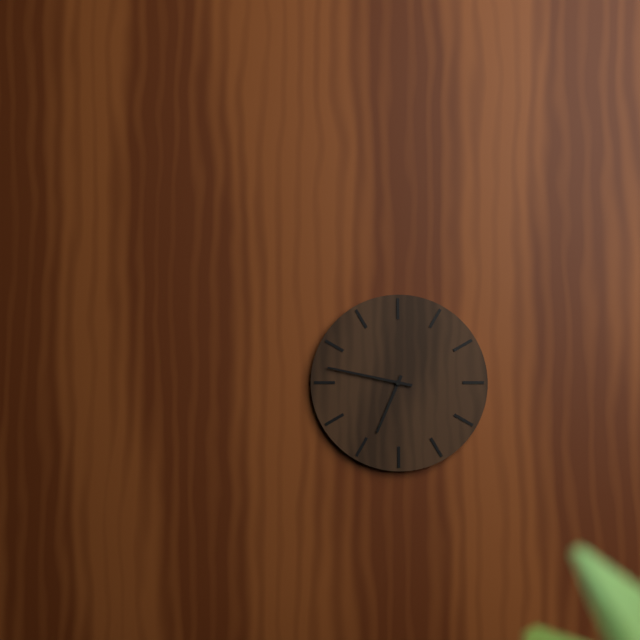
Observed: 6 h 47 min
